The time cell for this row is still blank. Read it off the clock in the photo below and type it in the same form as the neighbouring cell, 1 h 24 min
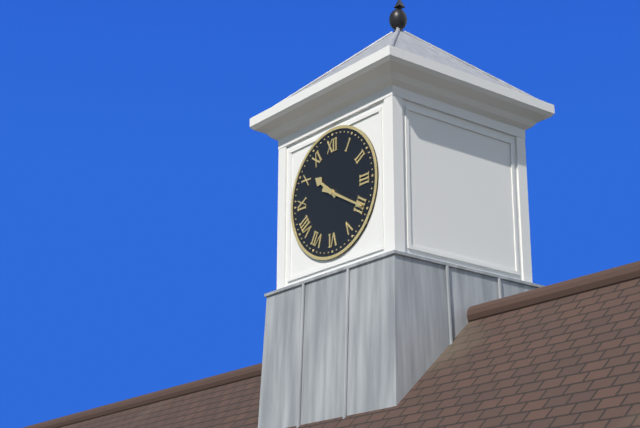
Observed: 10 h 20 min
